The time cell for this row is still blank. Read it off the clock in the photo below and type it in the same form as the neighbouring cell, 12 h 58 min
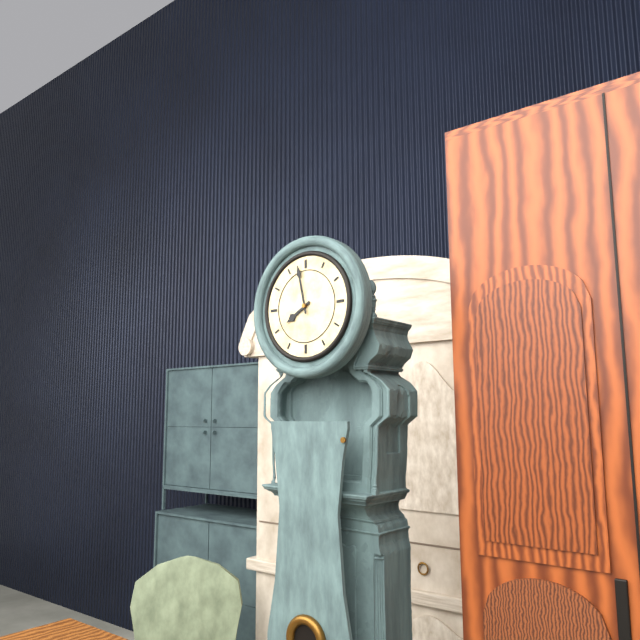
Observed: 7 h 58 min
